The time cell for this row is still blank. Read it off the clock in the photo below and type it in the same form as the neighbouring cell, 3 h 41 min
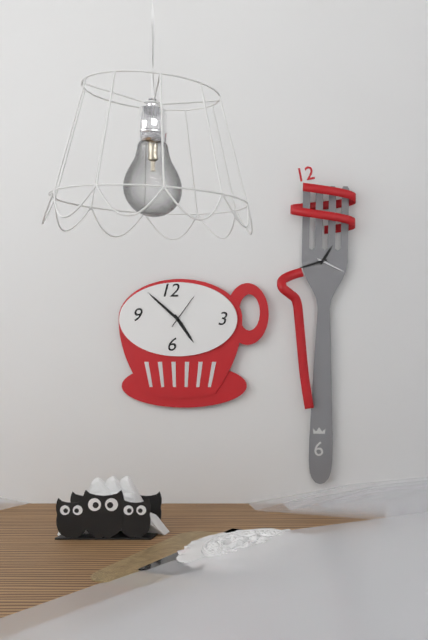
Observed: 4 h 52 min
